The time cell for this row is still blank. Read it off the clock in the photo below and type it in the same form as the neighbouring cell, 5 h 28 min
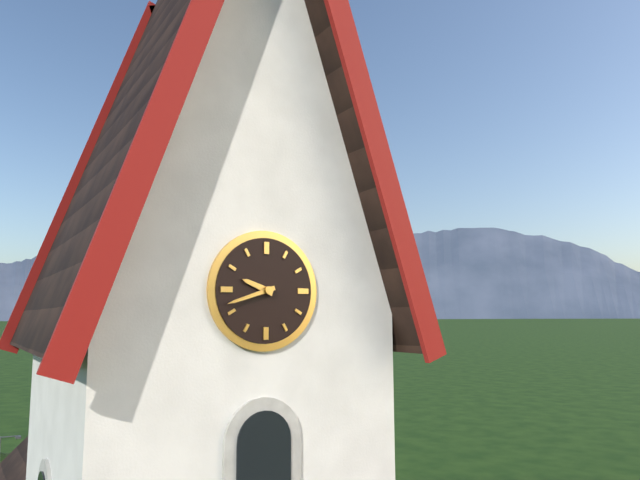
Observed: 9 h 42 min
